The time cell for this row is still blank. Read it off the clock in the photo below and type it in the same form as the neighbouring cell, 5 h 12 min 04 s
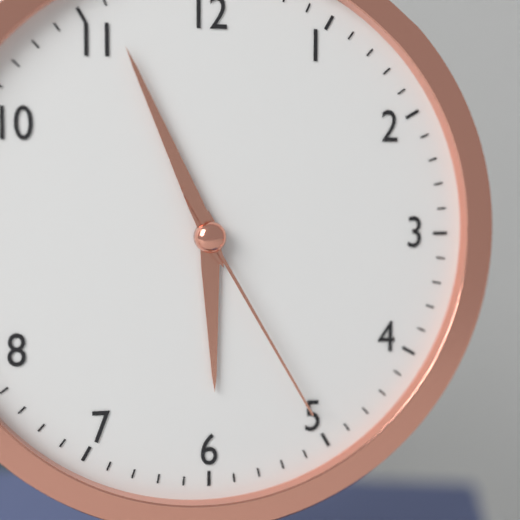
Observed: 5 h 56 min 25 s
